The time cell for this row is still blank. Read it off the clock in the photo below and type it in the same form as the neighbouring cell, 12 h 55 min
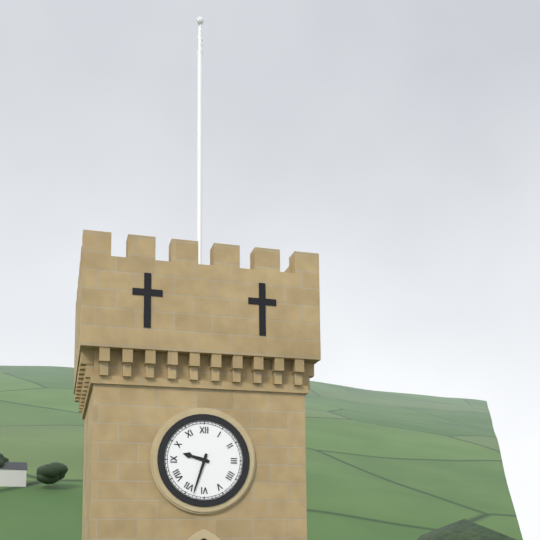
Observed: 9 h 33 min
